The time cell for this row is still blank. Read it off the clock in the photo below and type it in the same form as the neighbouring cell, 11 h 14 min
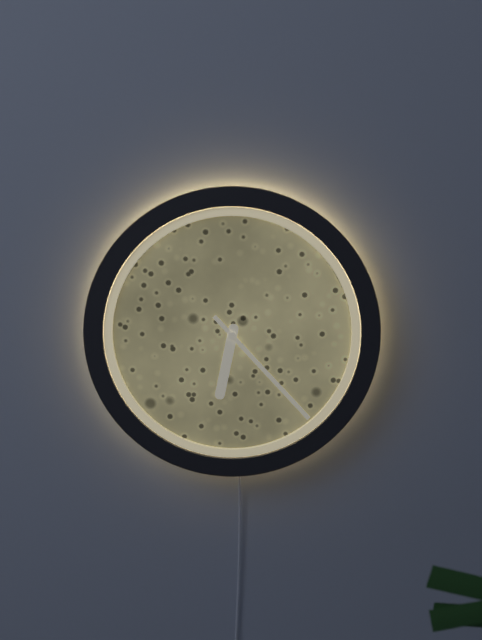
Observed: 6 h 23 min
